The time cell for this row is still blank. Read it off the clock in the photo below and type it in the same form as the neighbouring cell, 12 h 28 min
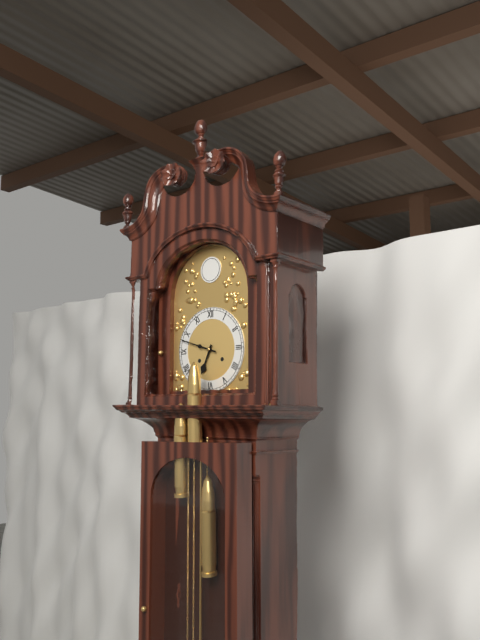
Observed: 6 h 48 min
